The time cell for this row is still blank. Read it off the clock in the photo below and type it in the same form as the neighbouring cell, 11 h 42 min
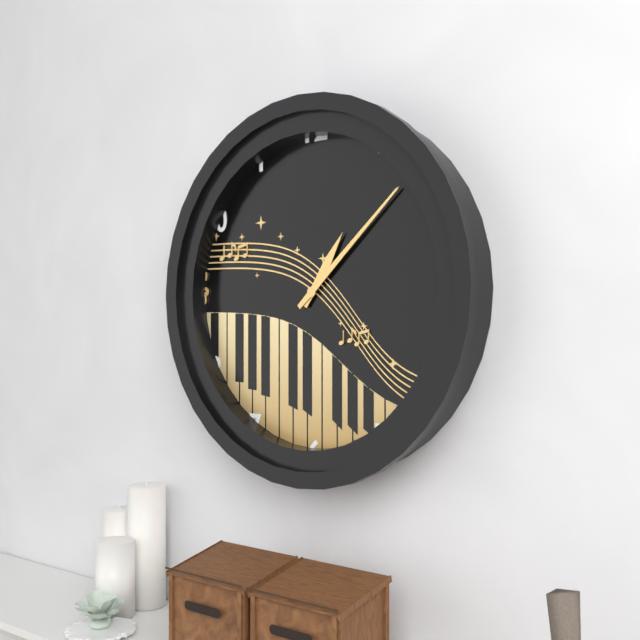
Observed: 1 h 08 min
